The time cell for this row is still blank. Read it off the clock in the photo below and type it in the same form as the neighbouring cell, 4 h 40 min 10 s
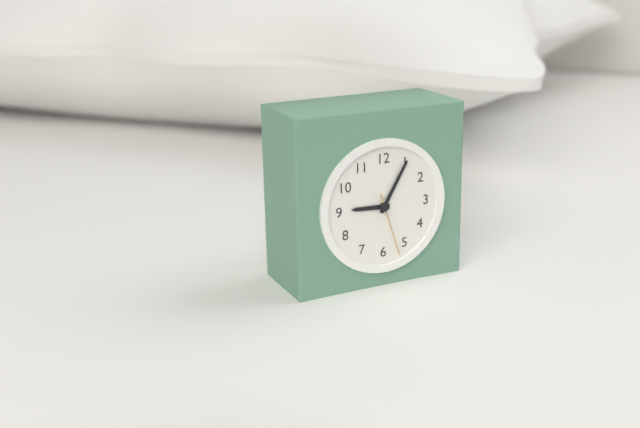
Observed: 9 h 05 min 27 s
